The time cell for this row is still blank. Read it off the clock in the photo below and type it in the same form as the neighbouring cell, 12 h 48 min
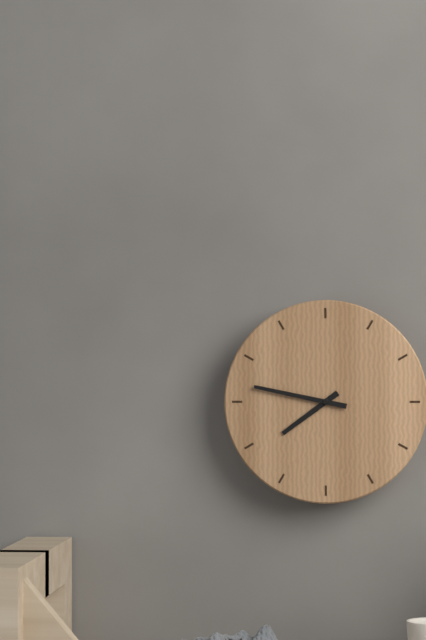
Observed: 7 h 47 min
